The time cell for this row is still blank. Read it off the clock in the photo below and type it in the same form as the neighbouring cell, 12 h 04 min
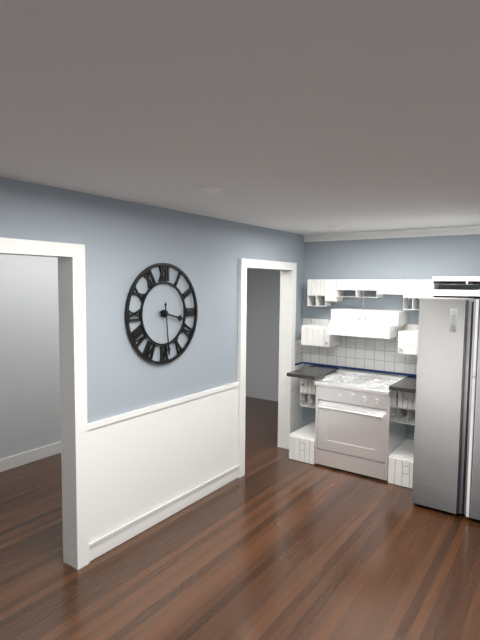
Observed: 3 h 29 min
